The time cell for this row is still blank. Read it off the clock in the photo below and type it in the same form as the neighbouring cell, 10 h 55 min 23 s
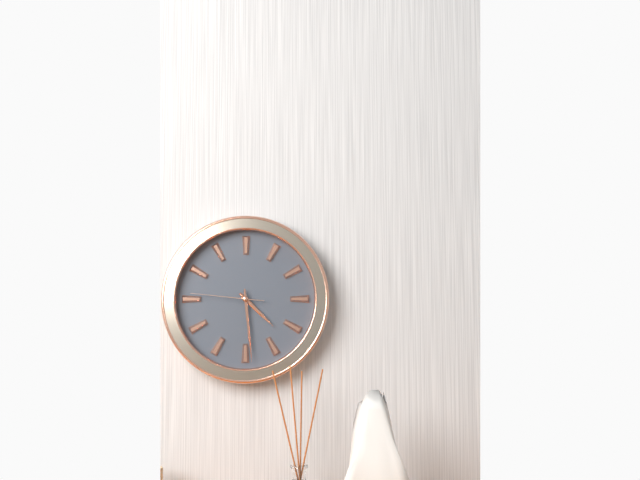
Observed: 4 h 29 min 46 s
